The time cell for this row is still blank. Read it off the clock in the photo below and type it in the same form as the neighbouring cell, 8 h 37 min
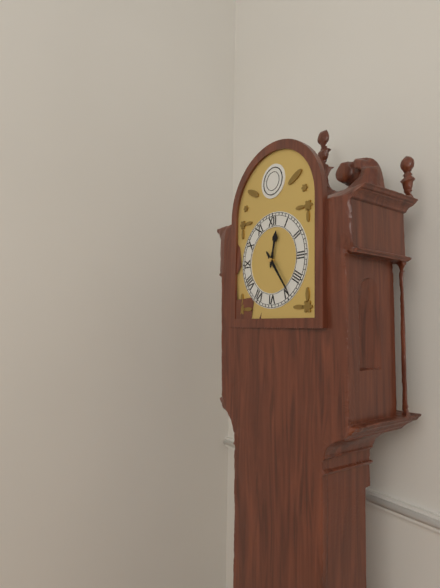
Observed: 12 h 24 min
